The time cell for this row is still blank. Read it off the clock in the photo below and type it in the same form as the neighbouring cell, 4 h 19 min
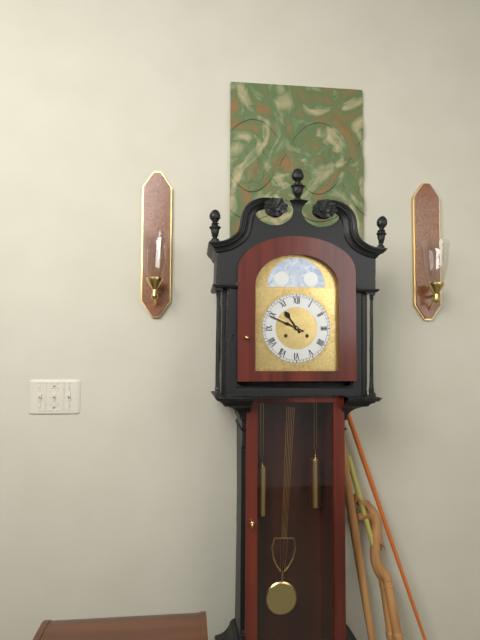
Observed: 10 h 49 min
